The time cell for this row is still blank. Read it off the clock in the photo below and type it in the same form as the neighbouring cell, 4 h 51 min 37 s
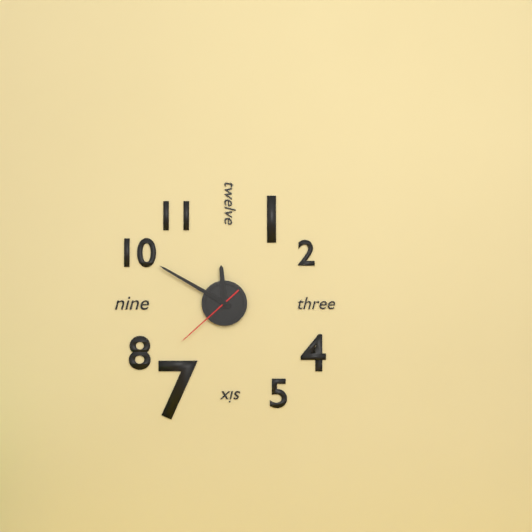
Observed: 11 h 50 min 38 s
